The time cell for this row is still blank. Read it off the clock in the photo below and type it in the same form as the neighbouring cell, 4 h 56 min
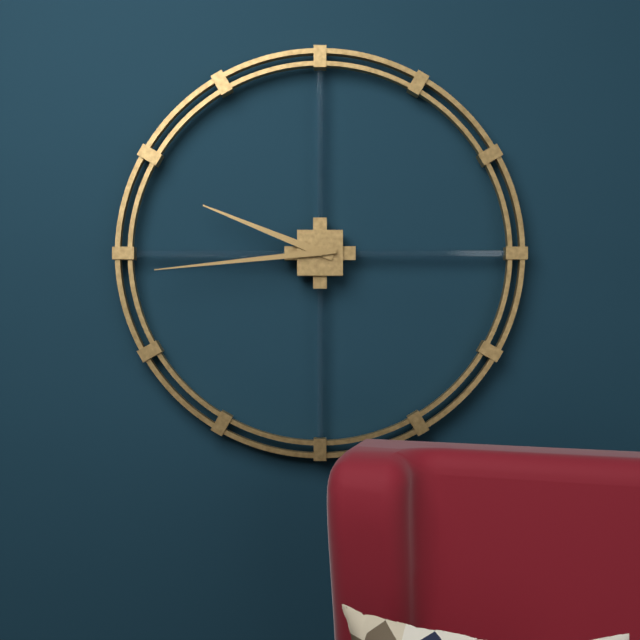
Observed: 9 h 44 min
